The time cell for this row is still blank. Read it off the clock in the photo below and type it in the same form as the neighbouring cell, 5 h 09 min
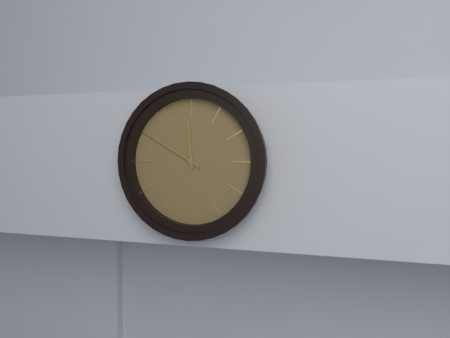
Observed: 11 h 50 min
